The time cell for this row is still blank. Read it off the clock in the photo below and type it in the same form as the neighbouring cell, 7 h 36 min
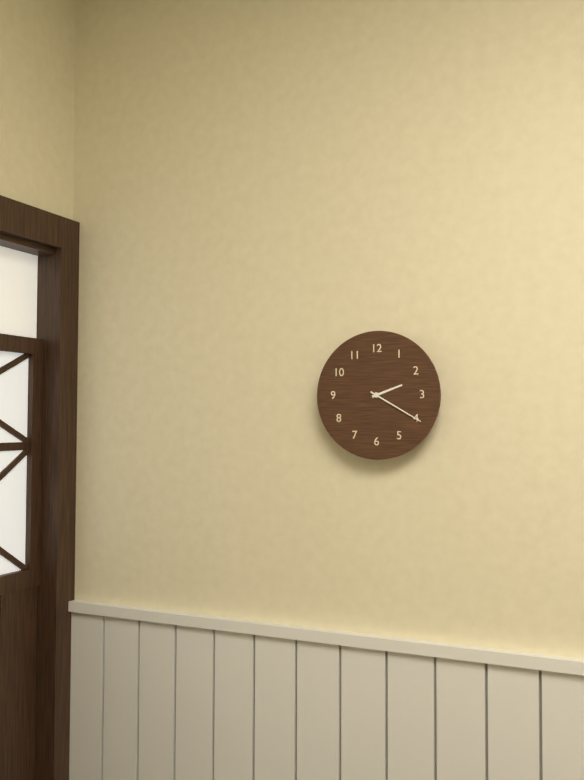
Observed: 2 h 20 min
